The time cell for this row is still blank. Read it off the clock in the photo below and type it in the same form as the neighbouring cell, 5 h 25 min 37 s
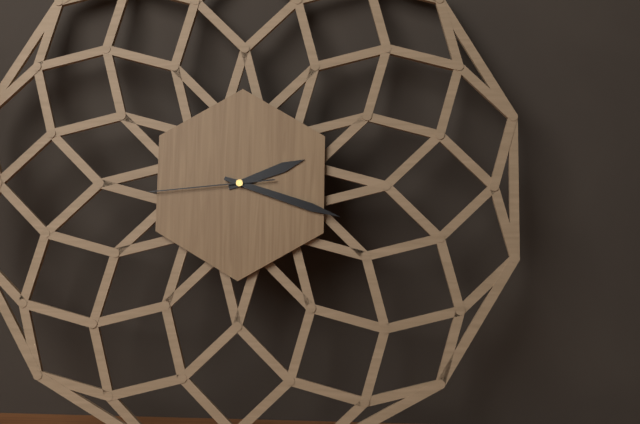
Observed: 2 h 18 min 44 s
